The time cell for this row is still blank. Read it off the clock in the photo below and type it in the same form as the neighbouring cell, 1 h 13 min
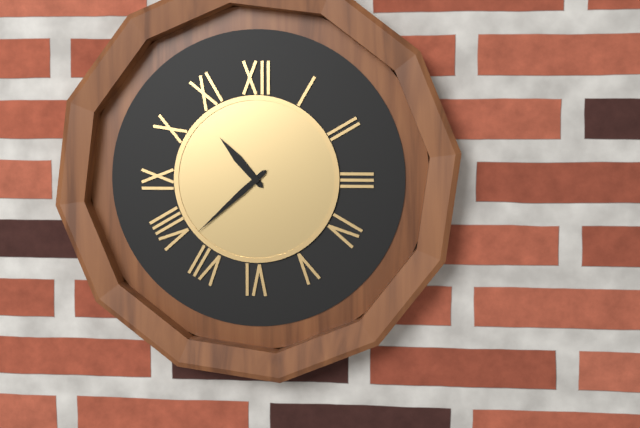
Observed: 10 h 38 min
